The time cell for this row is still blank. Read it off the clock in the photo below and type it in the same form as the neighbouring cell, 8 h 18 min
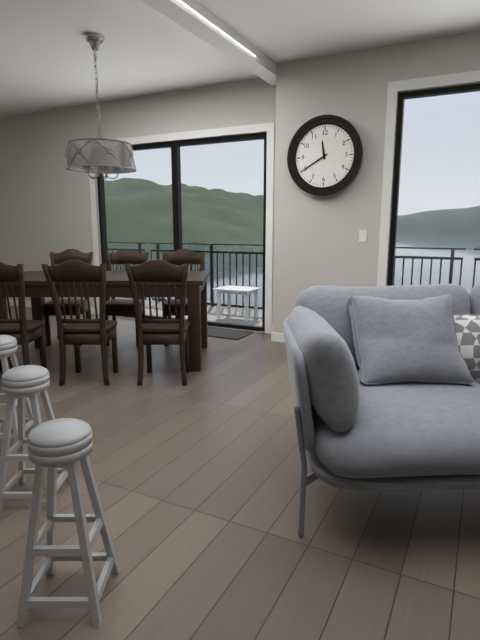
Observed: 11 h 40 min
